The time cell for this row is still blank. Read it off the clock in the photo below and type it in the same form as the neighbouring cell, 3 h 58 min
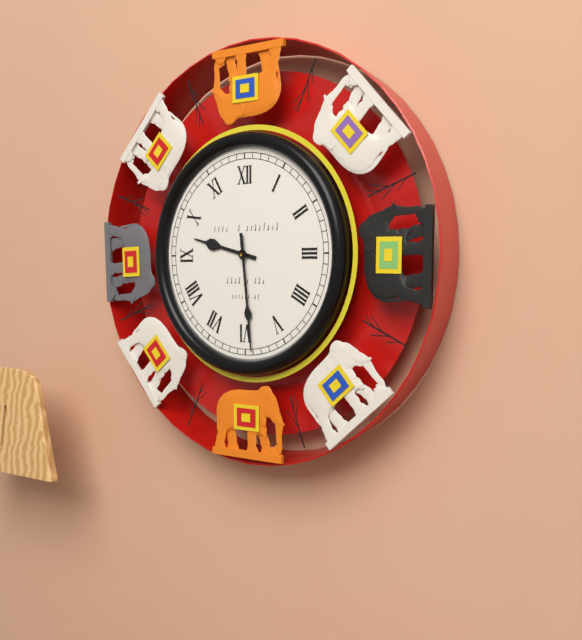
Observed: 9 h 29 min
